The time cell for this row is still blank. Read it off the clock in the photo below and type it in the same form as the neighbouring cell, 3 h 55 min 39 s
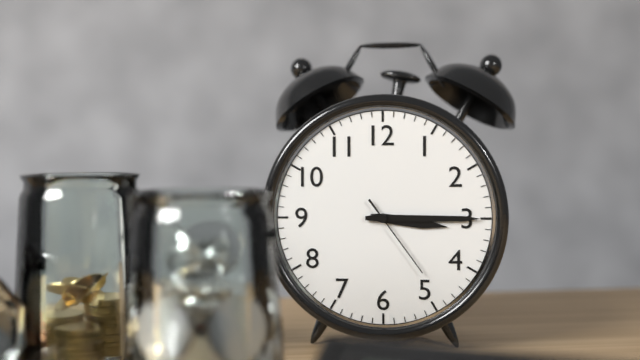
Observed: 3 h 15 min 24 s
